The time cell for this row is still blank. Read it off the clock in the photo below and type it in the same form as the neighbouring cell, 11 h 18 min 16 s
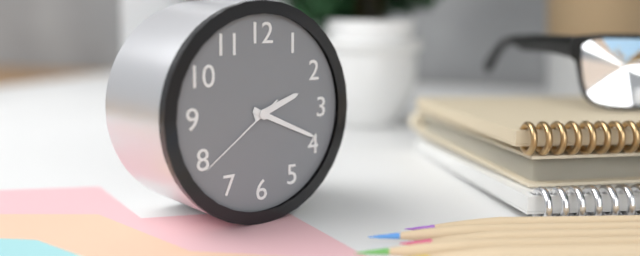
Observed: 2 h 19 min 39 s
